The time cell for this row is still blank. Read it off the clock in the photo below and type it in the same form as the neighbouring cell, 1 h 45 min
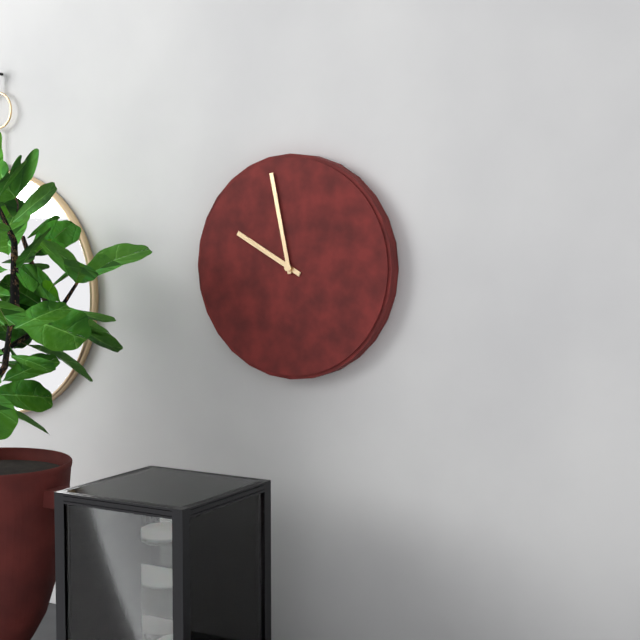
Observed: 9 h 58 min
